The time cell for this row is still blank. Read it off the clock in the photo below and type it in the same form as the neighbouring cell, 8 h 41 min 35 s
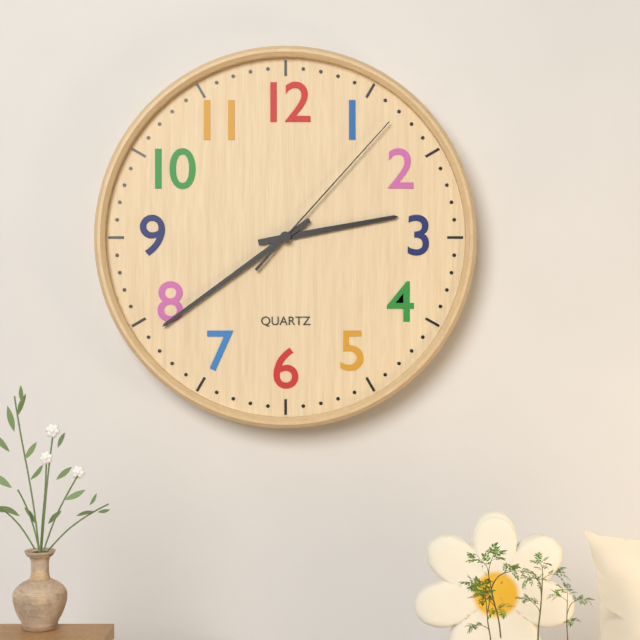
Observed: 2 h 39 min 07 s
